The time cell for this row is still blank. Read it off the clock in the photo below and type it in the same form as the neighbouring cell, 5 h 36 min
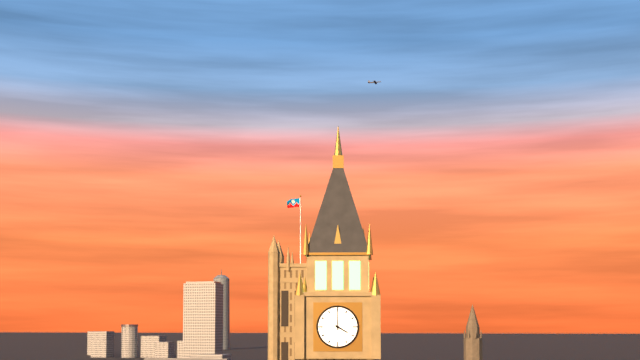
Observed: 4 h 00 min
